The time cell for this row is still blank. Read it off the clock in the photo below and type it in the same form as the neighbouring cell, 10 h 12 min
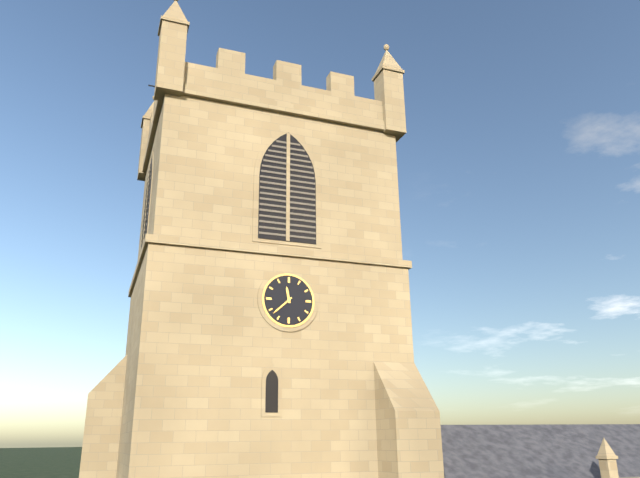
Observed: 11 h 38 min
